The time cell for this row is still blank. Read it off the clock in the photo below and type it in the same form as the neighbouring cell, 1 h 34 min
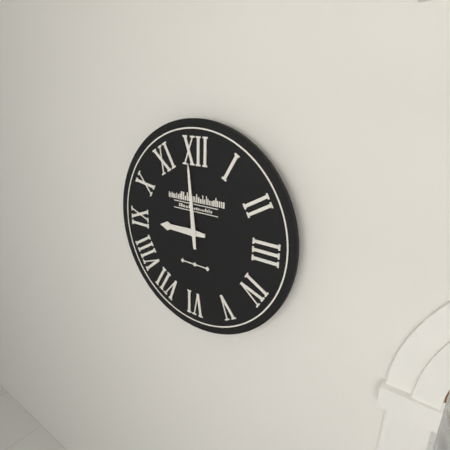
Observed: 8 h 59 min
